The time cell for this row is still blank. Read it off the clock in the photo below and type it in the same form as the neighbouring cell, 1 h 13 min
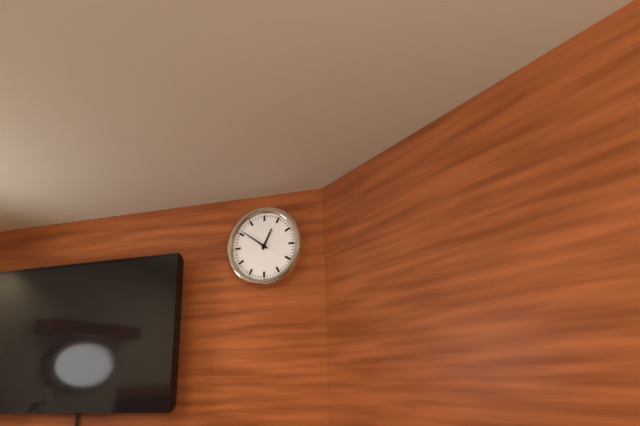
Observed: 12 h 51 min
